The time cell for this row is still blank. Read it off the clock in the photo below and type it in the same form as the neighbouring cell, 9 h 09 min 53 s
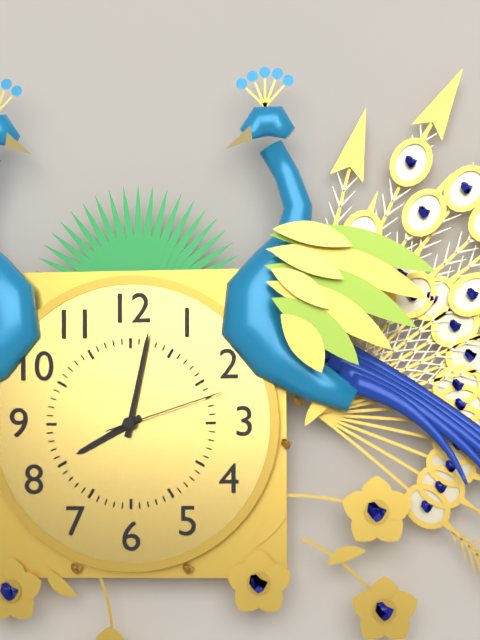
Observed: 8 h 02 min 12 s
